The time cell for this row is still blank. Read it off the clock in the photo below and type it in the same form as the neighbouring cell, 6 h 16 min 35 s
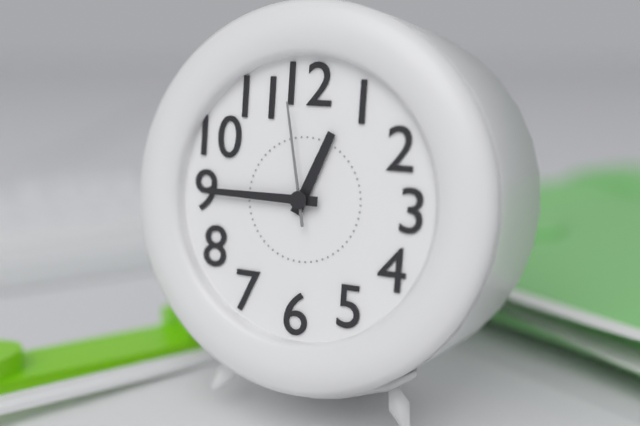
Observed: 12 h 45 min 58 s
